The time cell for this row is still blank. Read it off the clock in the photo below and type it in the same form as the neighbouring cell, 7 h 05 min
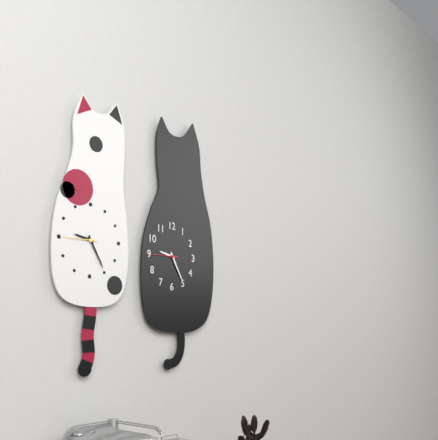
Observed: 9 h 25 min
